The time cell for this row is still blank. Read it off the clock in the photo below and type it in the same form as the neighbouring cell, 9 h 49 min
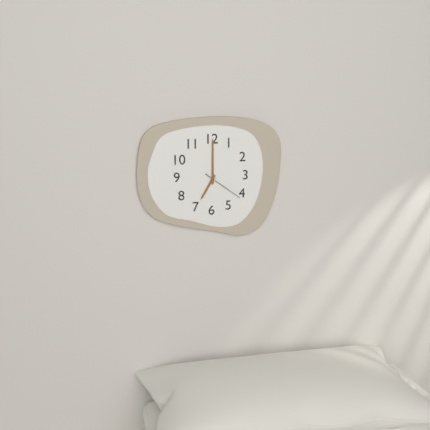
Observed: 7 h 00 min
